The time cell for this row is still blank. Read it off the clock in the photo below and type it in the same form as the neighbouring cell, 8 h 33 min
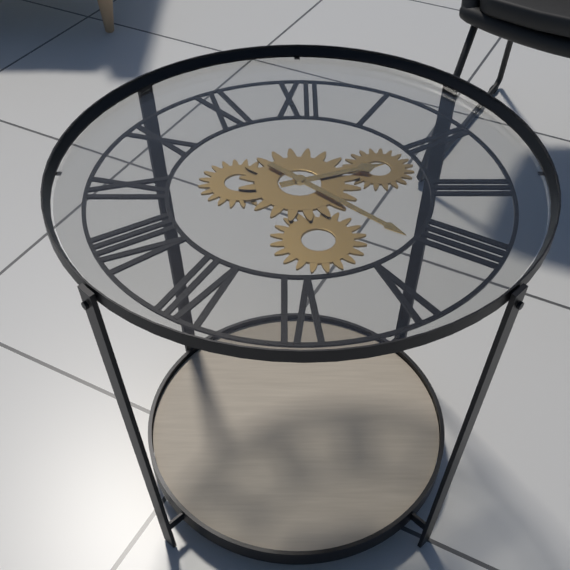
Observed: 2 h 22 min
